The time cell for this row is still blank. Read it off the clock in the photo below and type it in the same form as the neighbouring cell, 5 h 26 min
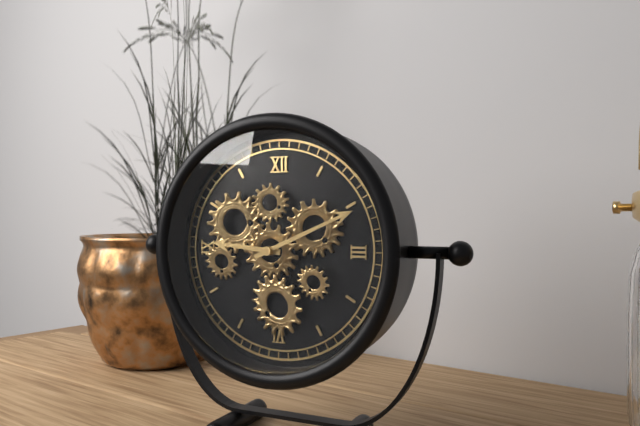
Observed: 9 h 11 min
